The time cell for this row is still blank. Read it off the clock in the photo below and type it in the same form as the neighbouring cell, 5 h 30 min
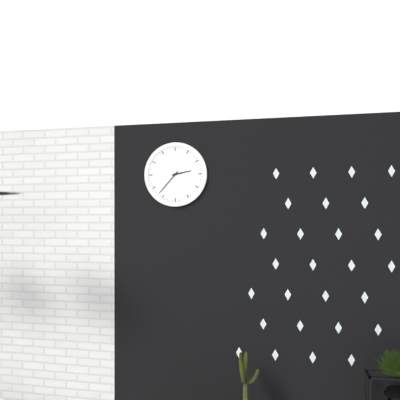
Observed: 2 h 37 min
